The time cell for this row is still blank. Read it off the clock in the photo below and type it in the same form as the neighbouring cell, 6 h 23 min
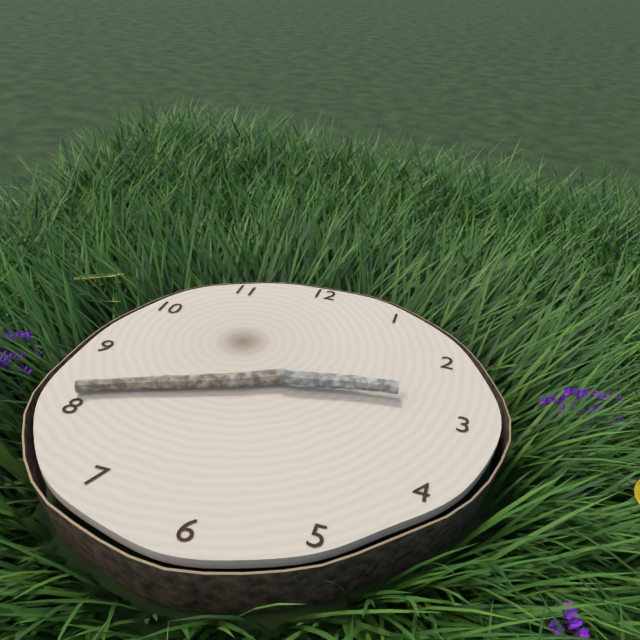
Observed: 2 h 41 min
